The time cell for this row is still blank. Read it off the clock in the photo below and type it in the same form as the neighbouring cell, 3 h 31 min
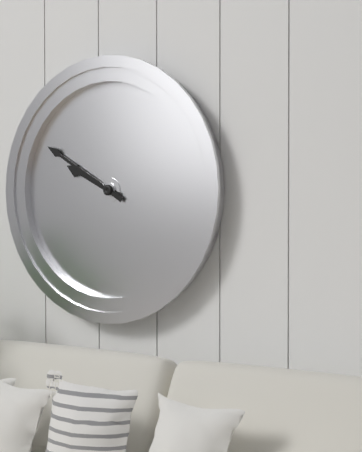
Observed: 9 h 50 min
